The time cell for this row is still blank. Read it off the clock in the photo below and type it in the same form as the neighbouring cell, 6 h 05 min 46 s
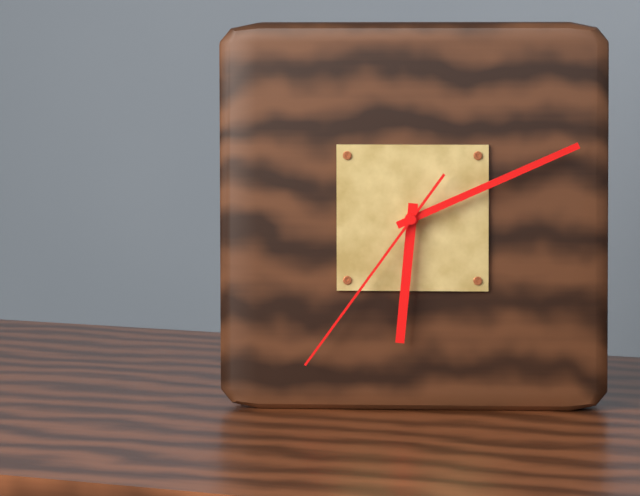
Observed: 6 h 11 min 36 s
